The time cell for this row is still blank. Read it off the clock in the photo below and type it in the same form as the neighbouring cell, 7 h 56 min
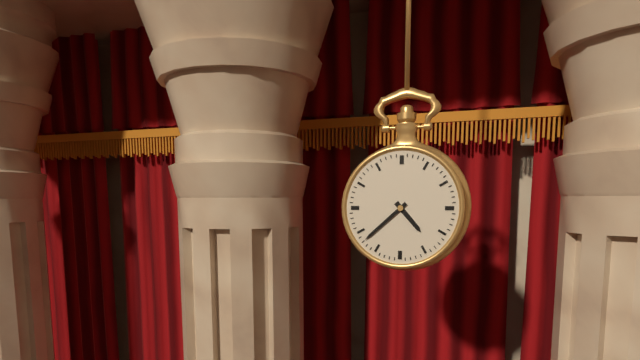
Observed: 4 h 38 min
